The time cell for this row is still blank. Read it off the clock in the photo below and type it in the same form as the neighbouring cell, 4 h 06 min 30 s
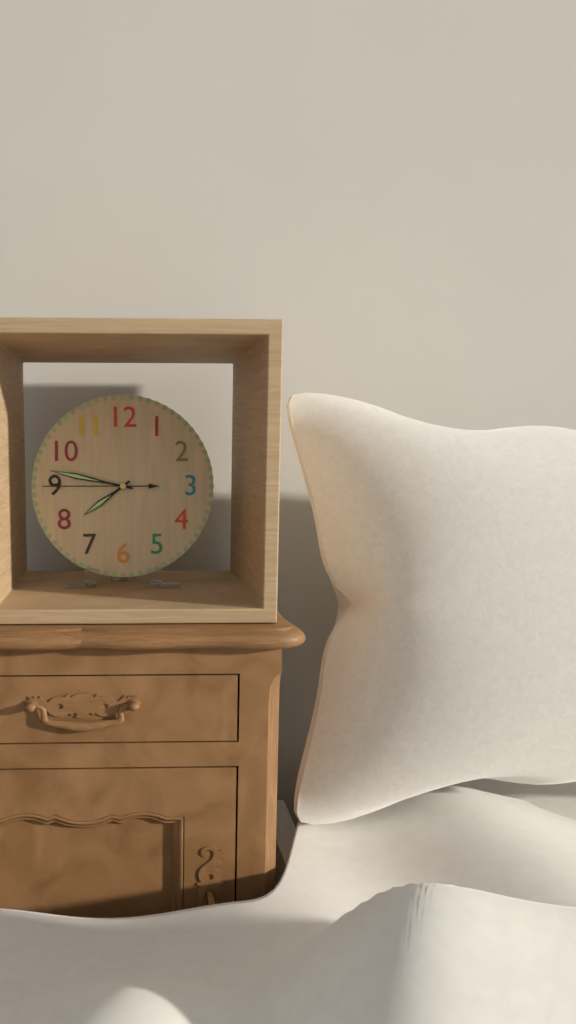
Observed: 7 h 47 min 45 s
